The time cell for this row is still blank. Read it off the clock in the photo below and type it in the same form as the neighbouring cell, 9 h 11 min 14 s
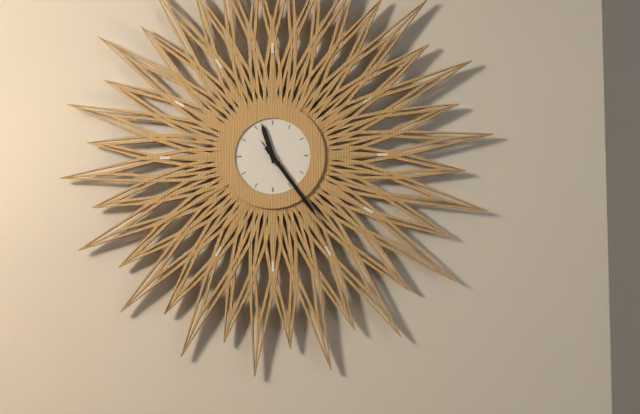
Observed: 11 h 24 min 24 s
